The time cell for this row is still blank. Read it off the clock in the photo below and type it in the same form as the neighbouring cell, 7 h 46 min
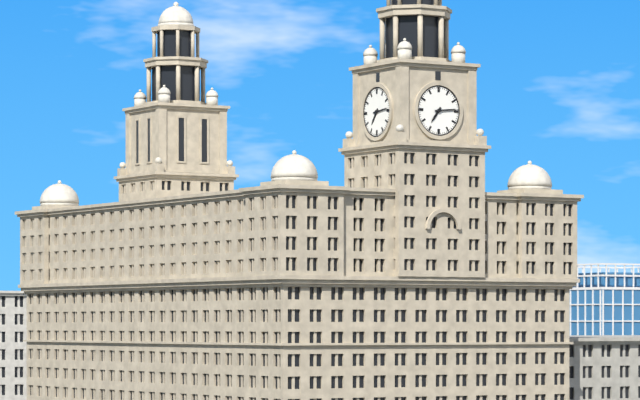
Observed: 7 h 14 min
